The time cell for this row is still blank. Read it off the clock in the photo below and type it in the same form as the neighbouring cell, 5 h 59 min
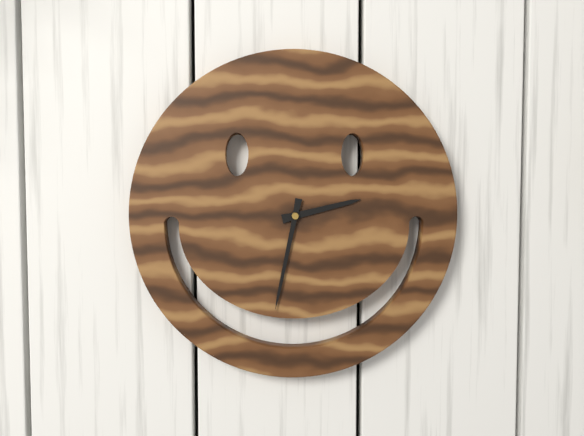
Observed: 2 h 32 min
